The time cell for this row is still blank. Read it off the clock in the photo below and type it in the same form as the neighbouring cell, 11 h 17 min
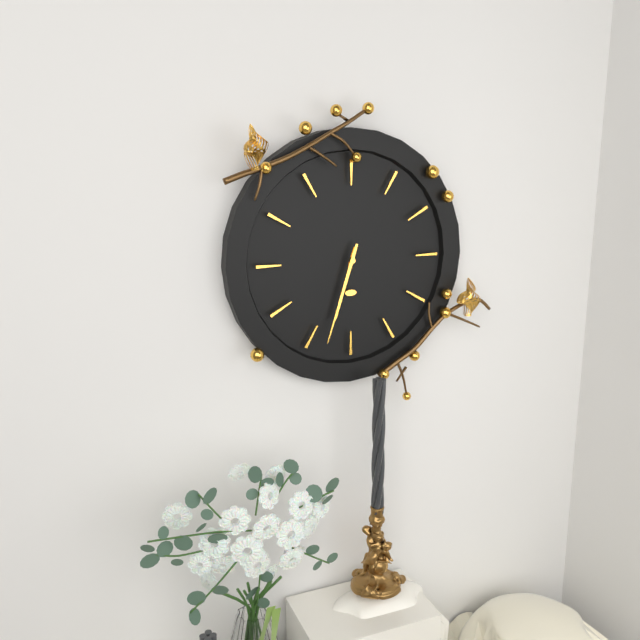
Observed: 6 h 33 min
